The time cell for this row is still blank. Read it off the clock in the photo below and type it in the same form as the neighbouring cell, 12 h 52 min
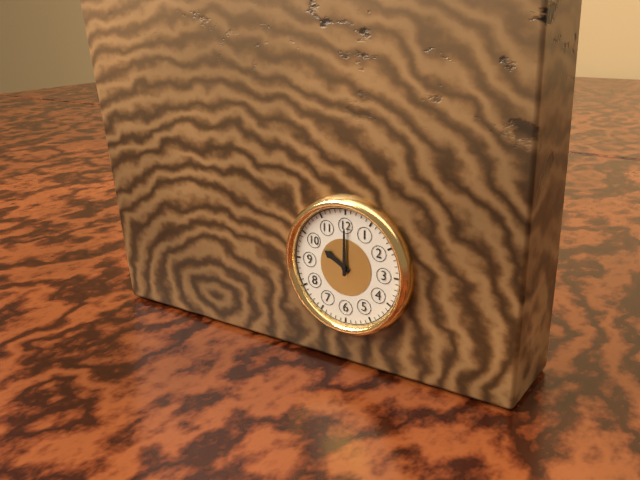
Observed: 10 h 00 min
